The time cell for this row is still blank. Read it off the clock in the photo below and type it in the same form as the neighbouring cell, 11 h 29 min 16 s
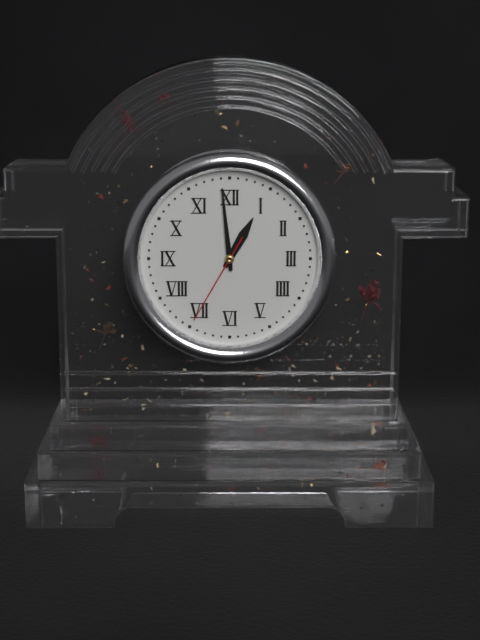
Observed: 12 h 59 min 35 s
